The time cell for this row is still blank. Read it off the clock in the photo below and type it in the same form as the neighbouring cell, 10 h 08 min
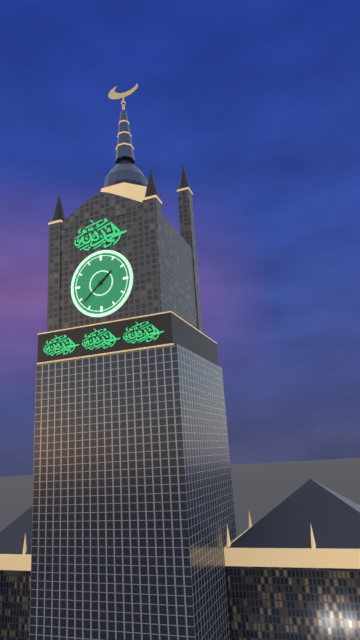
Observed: 1 h 38 min
